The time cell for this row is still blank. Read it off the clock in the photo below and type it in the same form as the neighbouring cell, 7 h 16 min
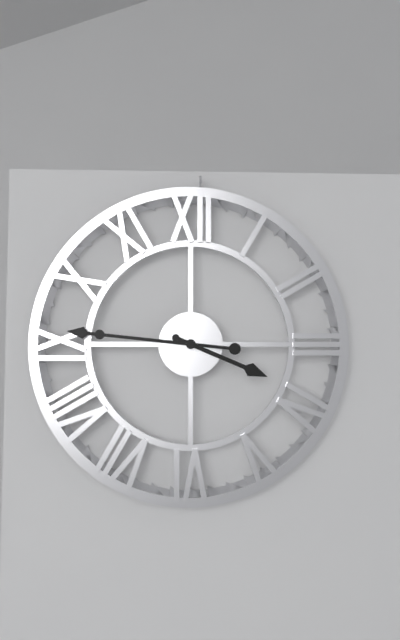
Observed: 3 h 46 min
